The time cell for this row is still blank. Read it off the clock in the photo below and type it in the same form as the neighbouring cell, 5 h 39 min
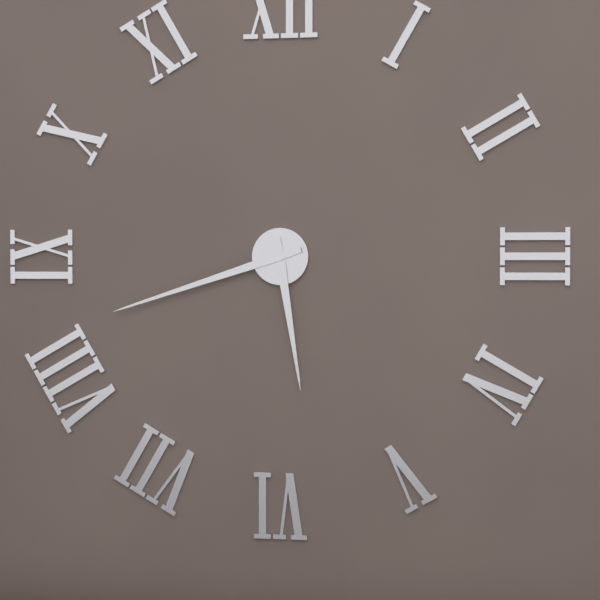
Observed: 5 h 42 min
